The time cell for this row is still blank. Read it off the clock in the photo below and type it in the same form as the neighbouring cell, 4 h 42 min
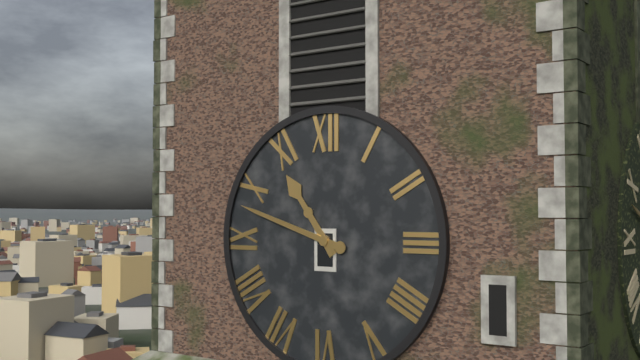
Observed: 10 h 48 min
